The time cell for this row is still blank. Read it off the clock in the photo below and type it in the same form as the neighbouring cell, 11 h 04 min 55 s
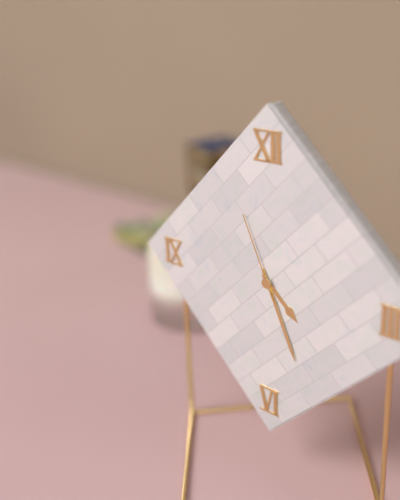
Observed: 4 h 26 min 56 s
